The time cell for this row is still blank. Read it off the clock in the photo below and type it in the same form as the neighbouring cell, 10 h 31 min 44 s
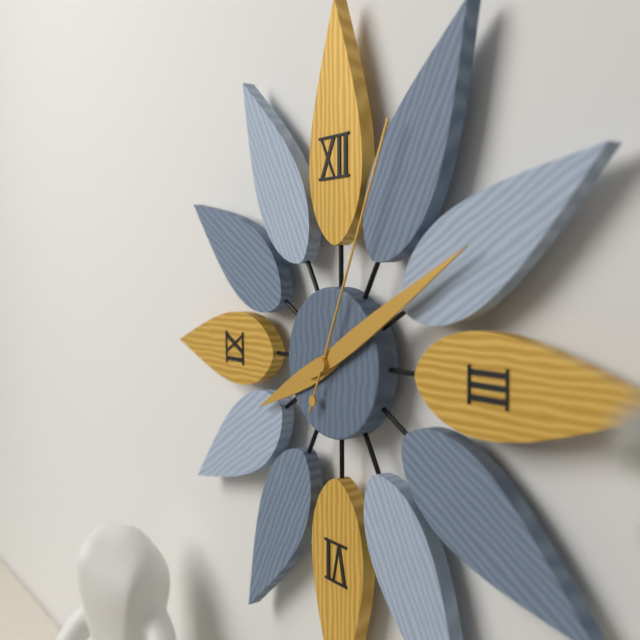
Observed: 8 h 10 min 04 s
